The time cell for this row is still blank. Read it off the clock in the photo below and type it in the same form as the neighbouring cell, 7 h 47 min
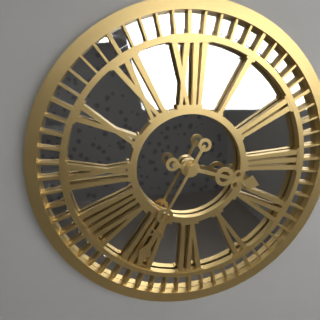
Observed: 3 h 35 min
